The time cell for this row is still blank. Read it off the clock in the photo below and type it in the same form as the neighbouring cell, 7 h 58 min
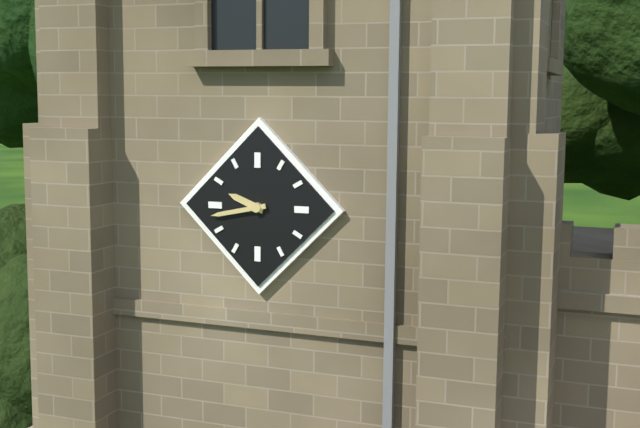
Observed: 9 h 43 min
